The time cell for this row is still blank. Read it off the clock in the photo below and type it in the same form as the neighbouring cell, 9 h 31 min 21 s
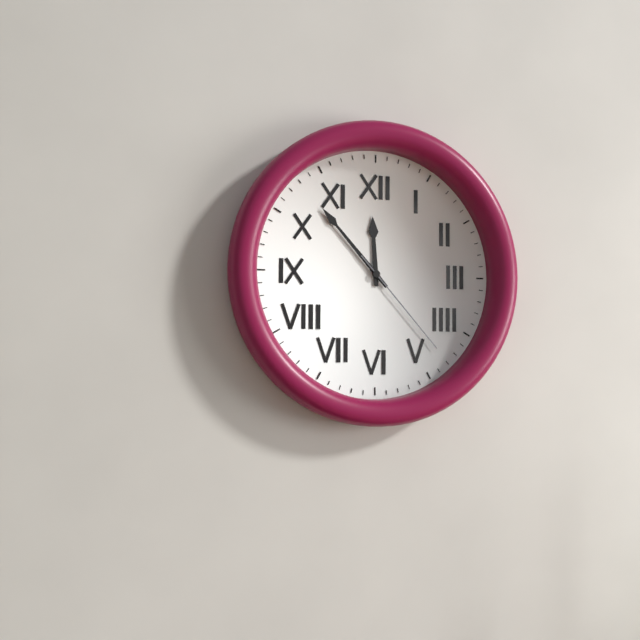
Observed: 11 h 53 min 23 s
